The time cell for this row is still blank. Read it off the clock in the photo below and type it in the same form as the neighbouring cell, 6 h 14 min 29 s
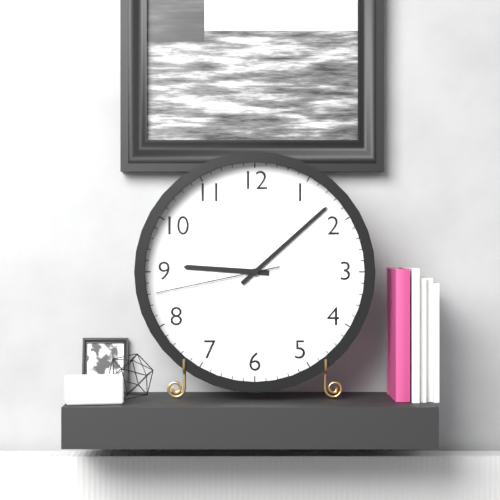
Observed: 9 h 08 min 43 s
